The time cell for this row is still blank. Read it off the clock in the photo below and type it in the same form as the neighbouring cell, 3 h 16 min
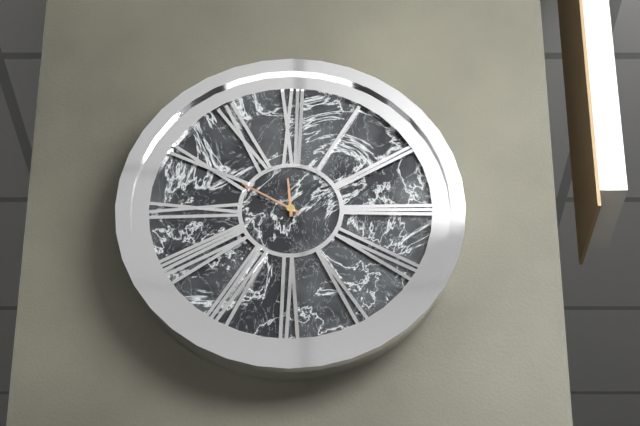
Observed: 11 h 50 min
